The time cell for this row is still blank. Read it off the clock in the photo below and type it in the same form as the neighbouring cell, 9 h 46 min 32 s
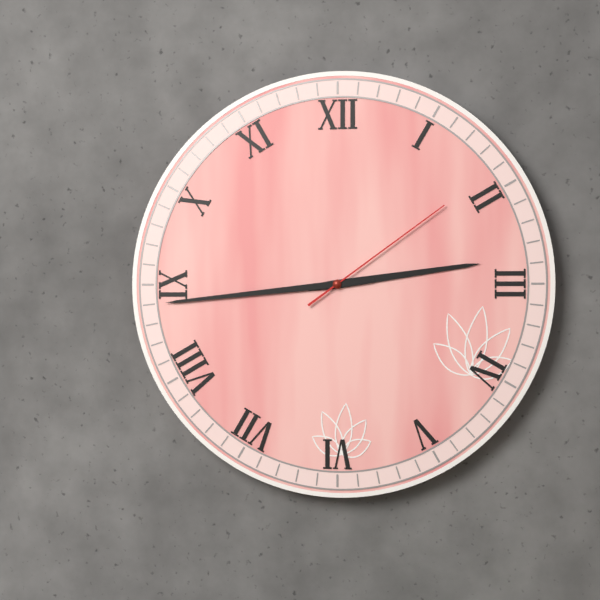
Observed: 2 h 44 min 09 s
